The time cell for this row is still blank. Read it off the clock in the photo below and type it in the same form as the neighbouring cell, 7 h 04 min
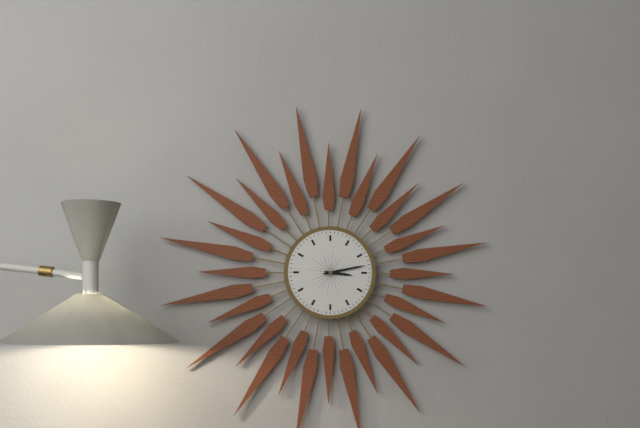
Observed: 3 h 13 min
